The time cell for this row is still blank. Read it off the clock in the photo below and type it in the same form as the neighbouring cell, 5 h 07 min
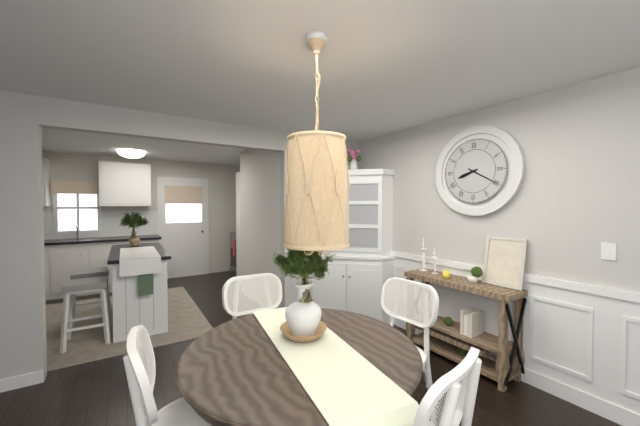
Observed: 8 h 20 min
